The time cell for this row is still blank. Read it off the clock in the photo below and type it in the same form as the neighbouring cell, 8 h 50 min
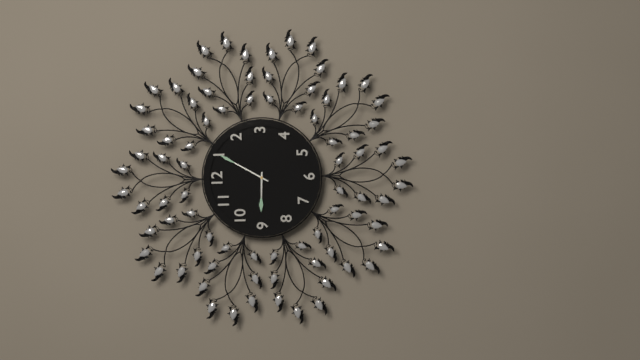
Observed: 9 h 05 min
